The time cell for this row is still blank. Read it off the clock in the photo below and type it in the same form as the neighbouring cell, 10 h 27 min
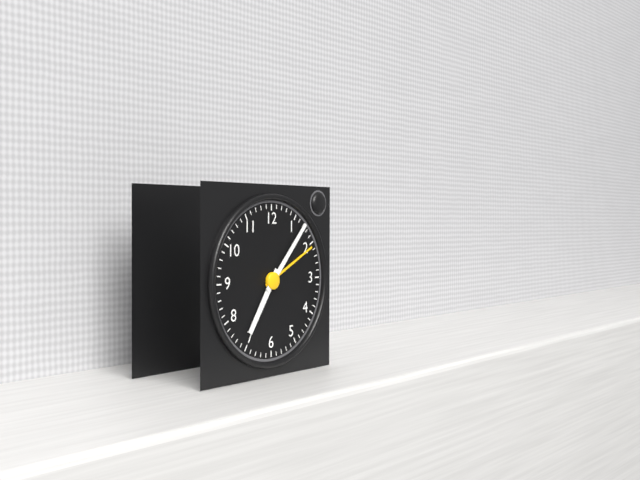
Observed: 7 h 07 min
